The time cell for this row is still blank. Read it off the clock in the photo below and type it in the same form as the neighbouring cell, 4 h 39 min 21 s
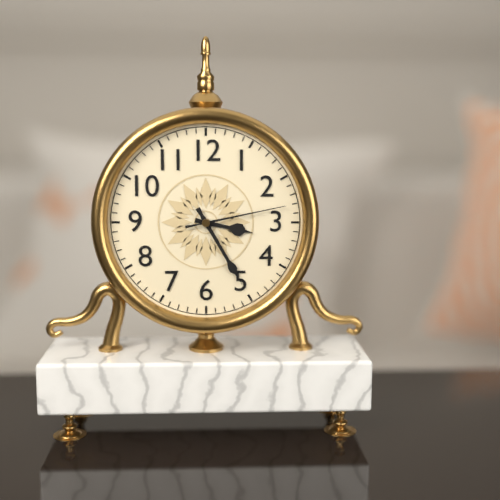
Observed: 3 h 25 min 13 s
